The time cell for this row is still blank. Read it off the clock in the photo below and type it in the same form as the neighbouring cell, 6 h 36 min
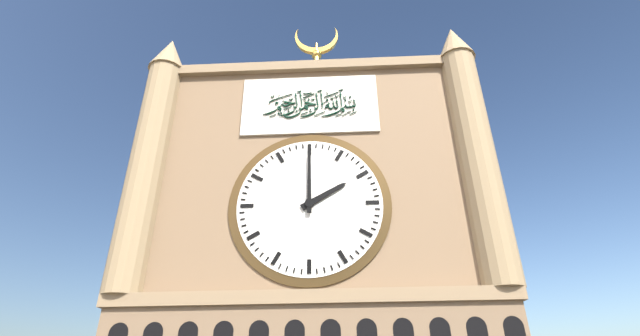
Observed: 2 h 00 min
